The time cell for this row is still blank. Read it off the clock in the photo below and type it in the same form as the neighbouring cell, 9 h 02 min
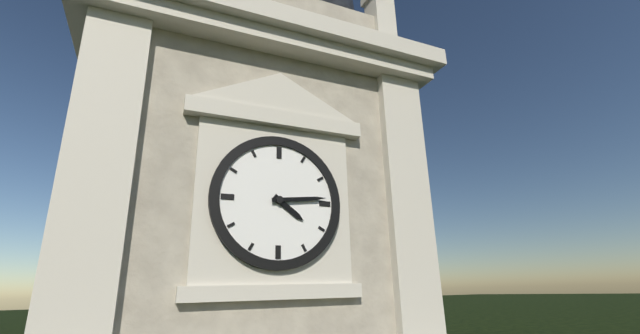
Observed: 4 h 14 min
